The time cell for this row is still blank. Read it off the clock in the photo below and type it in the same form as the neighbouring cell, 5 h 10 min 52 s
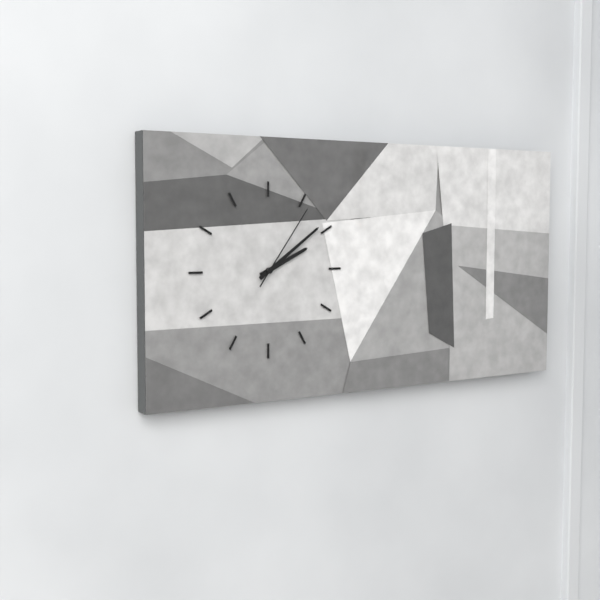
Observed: 2 h 09 min 06 s
